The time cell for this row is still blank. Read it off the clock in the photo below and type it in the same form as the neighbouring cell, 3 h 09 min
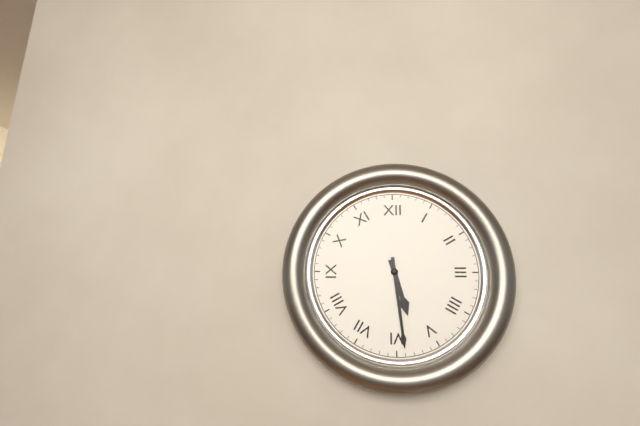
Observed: 5 h 29 min
